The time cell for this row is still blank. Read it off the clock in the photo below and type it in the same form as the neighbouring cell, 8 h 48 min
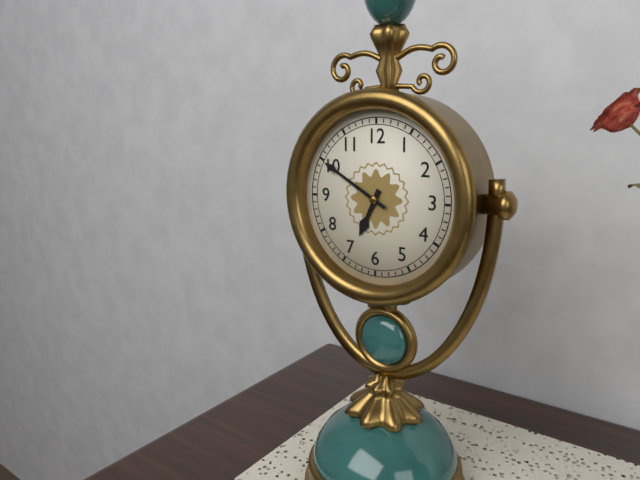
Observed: 6 h 50 min
